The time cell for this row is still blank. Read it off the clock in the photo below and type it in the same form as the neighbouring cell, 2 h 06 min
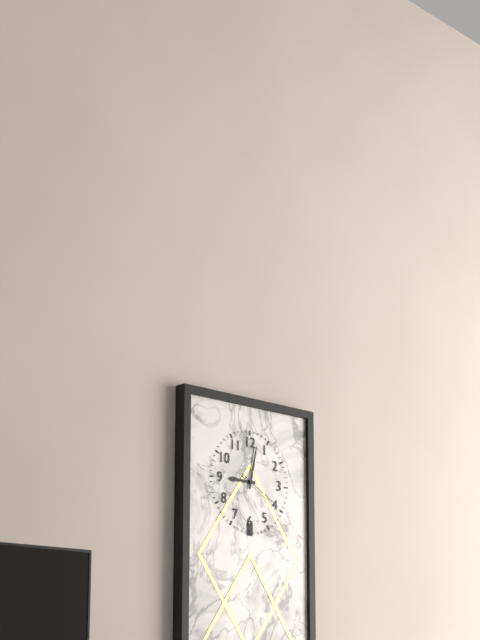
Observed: 9 h 02 min
